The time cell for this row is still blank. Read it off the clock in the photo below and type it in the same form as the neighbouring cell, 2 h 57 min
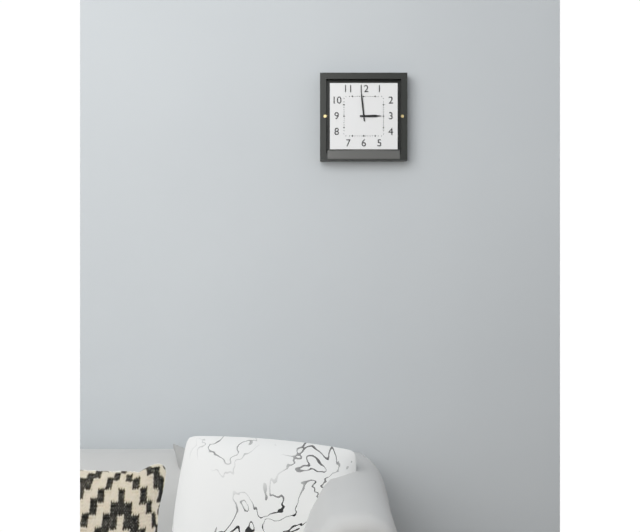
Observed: 2 h 59 min
